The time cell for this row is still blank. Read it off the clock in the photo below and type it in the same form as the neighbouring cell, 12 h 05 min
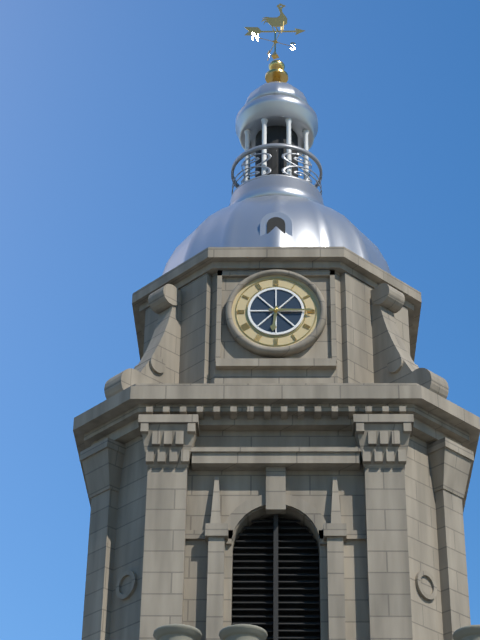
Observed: 6 h 15 min
